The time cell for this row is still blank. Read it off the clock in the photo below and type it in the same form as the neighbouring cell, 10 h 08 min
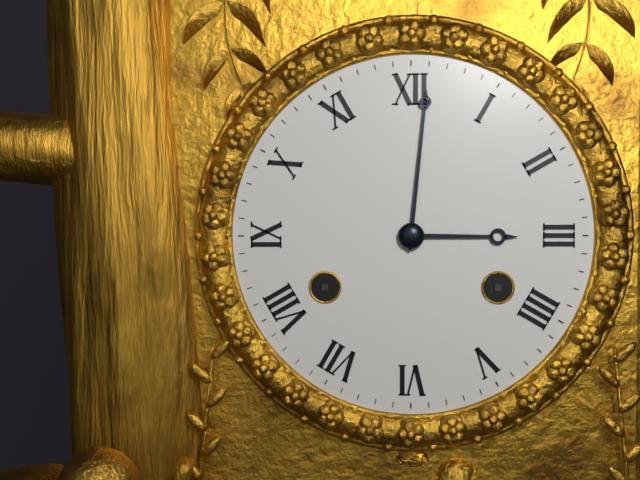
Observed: 3 h 01 min
